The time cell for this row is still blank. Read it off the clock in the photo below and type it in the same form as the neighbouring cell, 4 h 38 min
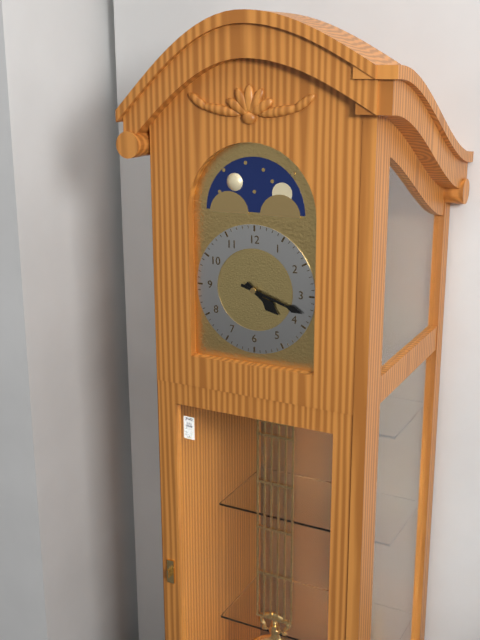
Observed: 4 h 18 min
